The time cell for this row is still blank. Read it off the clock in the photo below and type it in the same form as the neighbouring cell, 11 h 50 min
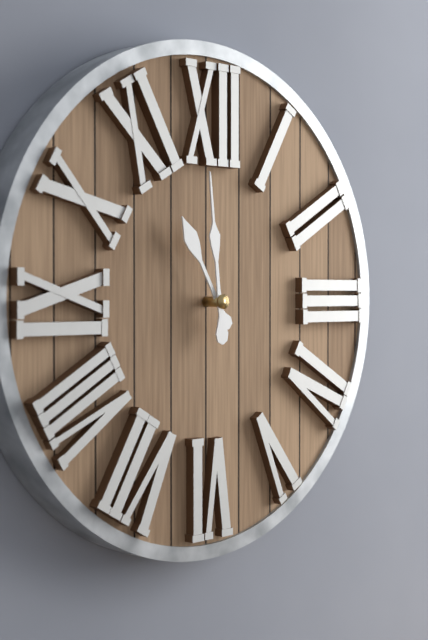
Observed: 10 h 59 min
